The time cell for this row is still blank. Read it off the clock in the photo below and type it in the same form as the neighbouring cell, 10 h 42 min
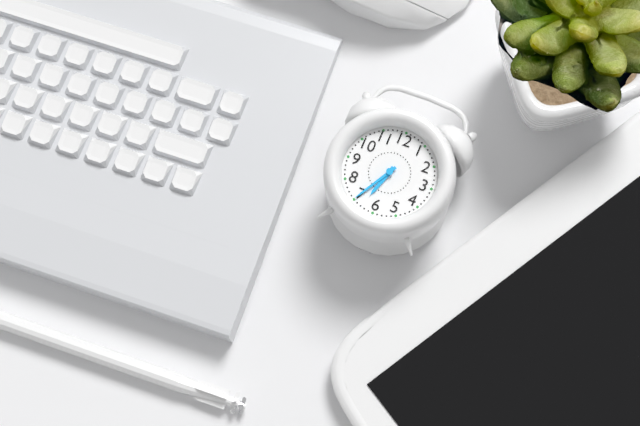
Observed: 6 h 35 min
